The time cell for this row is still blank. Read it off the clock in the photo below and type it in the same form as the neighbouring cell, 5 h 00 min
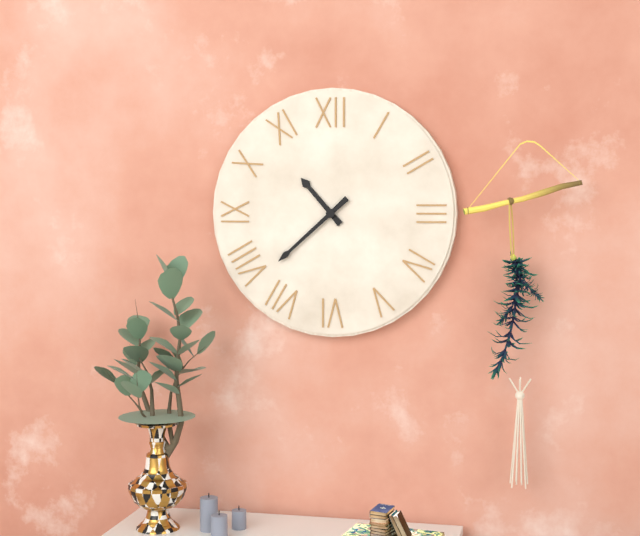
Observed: 10 h 38 min
